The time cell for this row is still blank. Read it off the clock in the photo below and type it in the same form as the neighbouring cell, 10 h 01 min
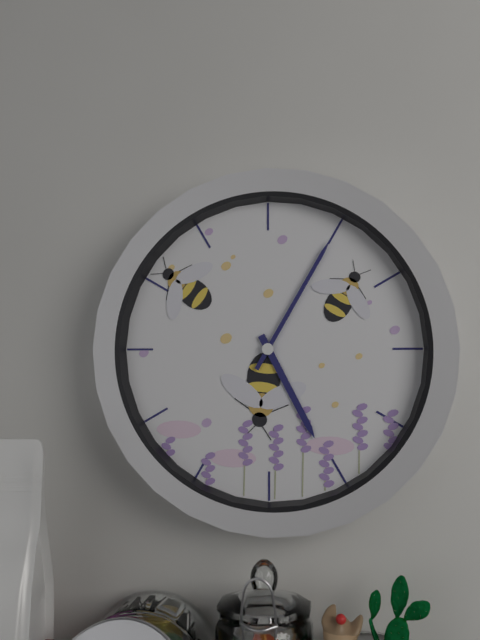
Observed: 5 h 05 min
